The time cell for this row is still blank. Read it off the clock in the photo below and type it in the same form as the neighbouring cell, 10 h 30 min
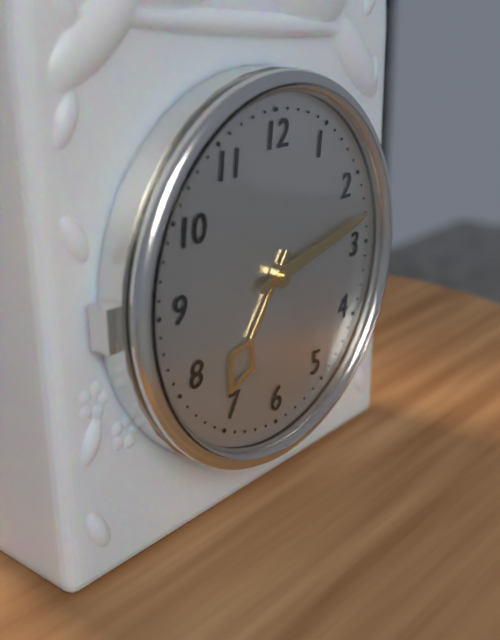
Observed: 7 h 13 min
